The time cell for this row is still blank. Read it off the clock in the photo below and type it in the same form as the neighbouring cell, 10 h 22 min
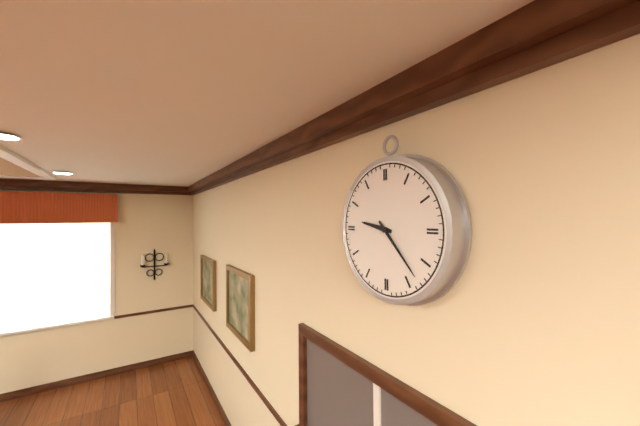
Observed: 9 h 23 min
